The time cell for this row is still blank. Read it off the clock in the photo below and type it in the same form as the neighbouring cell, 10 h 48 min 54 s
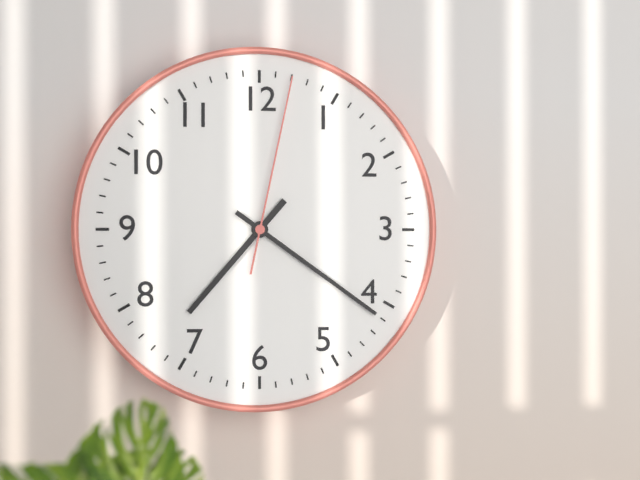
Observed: 7 h 21 min 02 s
